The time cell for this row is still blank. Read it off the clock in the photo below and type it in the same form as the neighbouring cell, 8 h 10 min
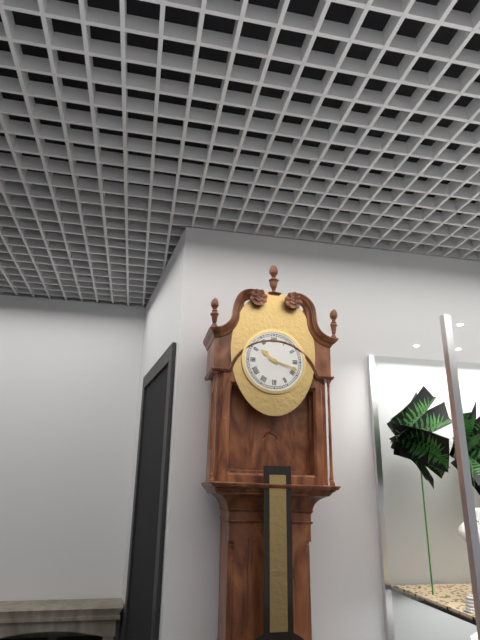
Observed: 10 h 18 min
